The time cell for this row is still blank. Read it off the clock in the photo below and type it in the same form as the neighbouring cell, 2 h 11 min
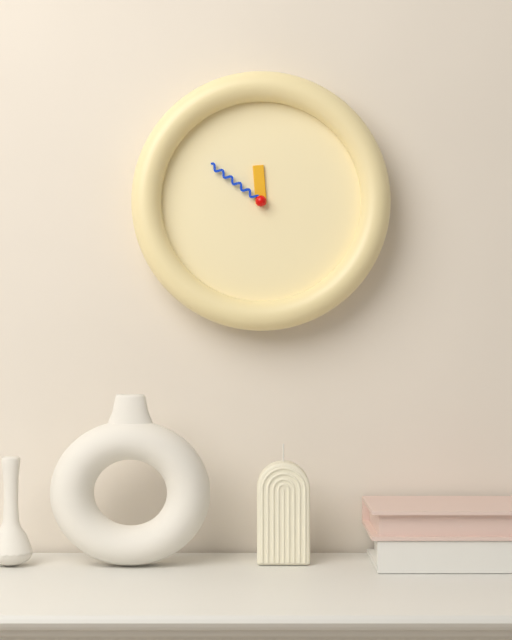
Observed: 11 h 51 min
